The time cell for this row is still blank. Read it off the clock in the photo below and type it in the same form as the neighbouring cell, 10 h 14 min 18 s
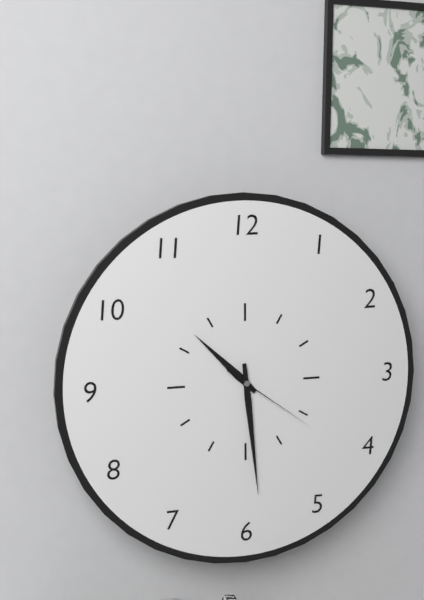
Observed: 10 h 29 min 21 s
